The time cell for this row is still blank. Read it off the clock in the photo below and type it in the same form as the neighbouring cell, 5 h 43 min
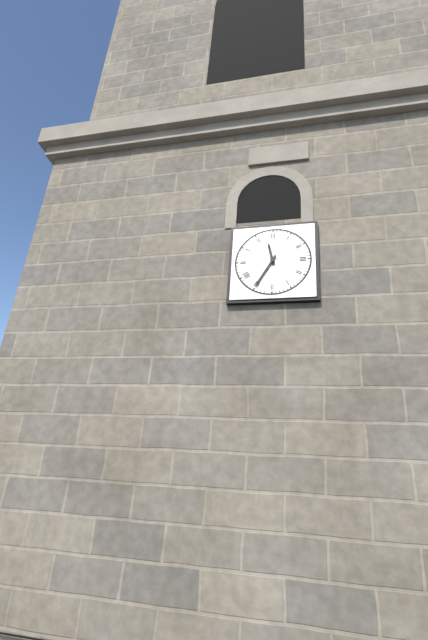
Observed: 11 h 35 min
